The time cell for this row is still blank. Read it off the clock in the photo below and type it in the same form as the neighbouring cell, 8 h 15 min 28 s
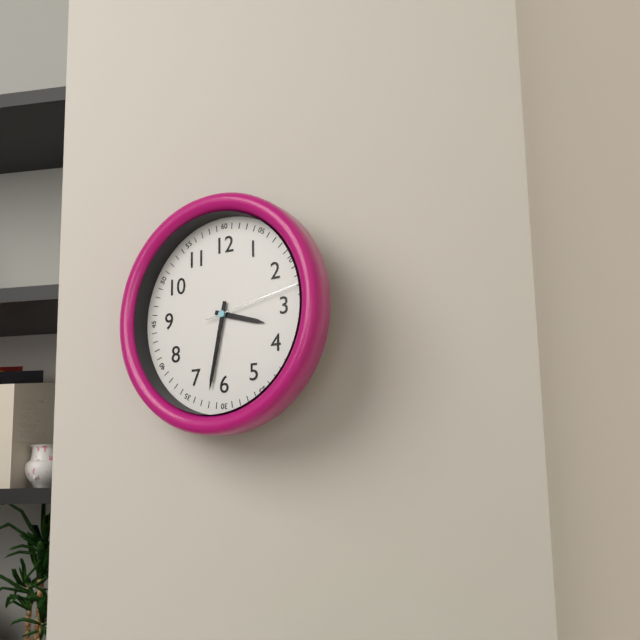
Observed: 3 h 32 min 13 s
